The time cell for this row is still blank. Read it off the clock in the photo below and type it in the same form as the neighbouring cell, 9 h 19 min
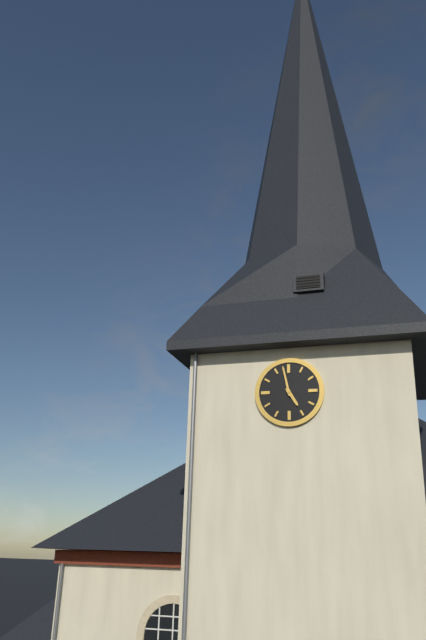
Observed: 4 h 58 min
